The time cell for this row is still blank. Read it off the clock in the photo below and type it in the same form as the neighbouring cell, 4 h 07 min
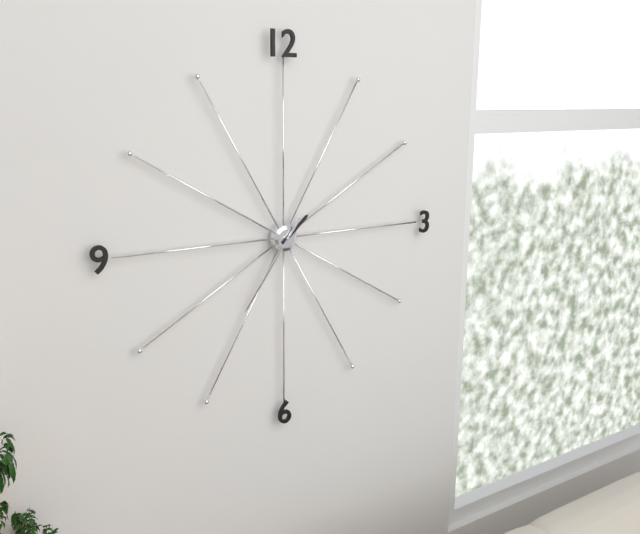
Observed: 1 h 36 min
